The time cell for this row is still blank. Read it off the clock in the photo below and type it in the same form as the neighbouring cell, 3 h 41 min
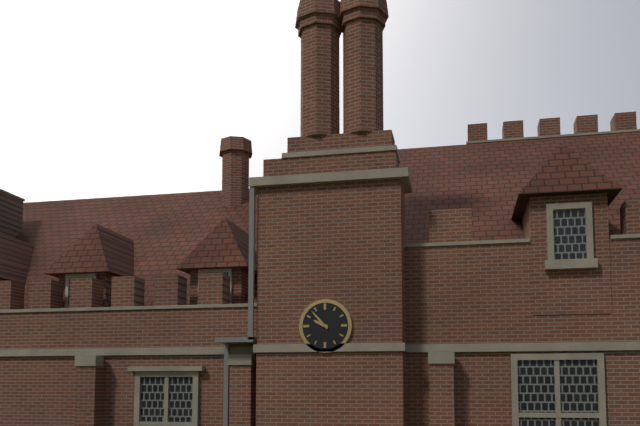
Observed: 9 h 53 min
